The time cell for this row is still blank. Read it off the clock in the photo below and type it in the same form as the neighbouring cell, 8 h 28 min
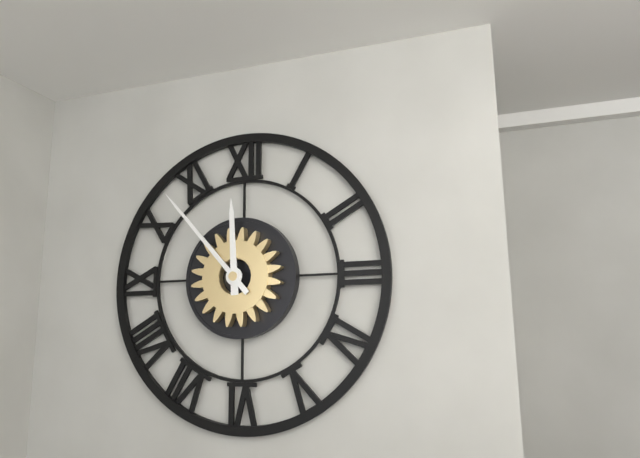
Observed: 11 h 53 min
